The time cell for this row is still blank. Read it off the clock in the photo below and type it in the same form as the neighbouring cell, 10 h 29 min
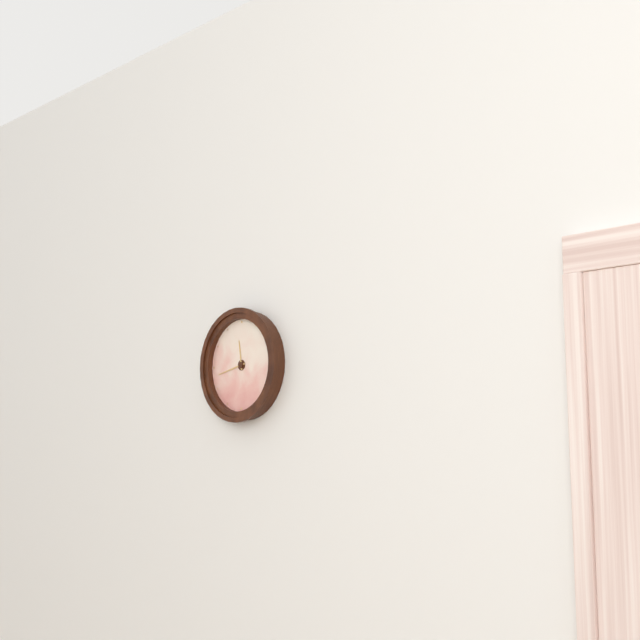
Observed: 11 h 43 min
